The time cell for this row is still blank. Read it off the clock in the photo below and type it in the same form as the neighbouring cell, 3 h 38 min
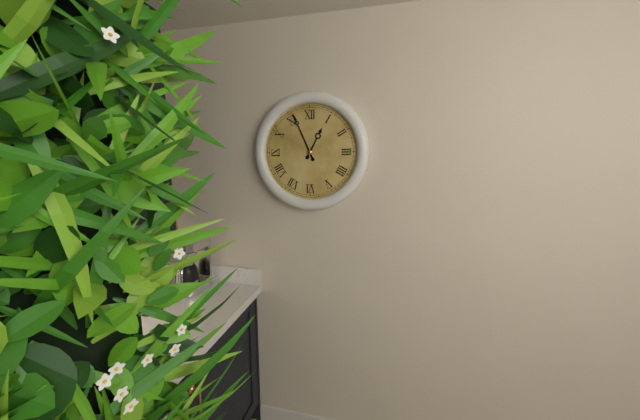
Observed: 12 h 56 min
